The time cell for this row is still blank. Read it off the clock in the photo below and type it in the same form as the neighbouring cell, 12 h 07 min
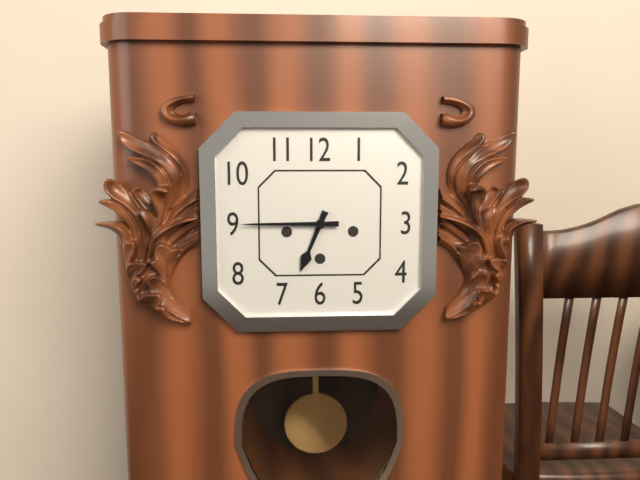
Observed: 6 h 45 min
